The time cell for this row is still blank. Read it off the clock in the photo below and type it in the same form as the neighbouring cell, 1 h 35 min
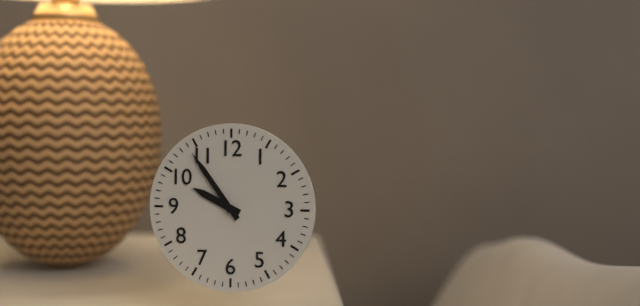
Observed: 9 h 54 min
